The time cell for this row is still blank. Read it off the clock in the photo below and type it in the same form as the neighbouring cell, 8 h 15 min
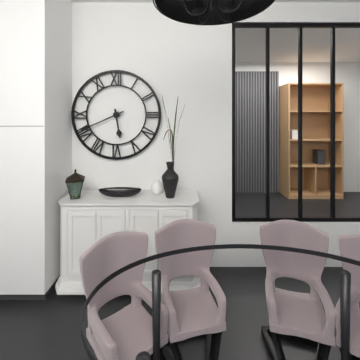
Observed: 5 h 41 min
